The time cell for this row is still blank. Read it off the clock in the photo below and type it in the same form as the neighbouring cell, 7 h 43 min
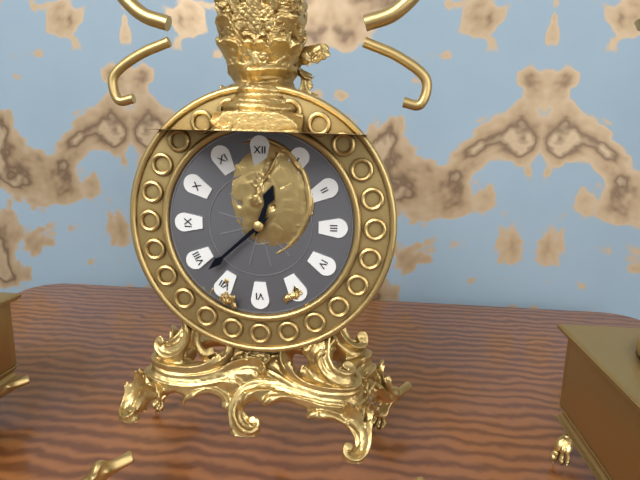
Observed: 12 h 38 min
